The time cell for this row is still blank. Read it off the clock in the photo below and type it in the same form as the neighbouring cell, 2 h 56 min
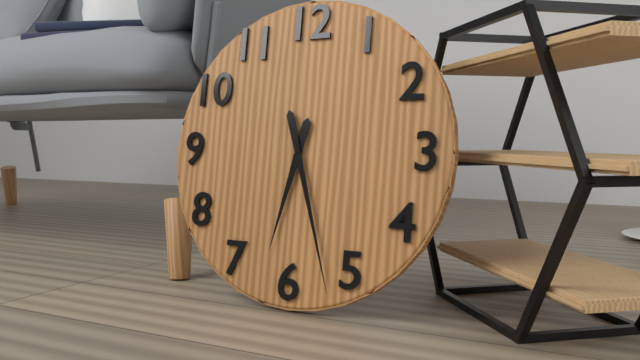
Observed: 6 h 27 min
